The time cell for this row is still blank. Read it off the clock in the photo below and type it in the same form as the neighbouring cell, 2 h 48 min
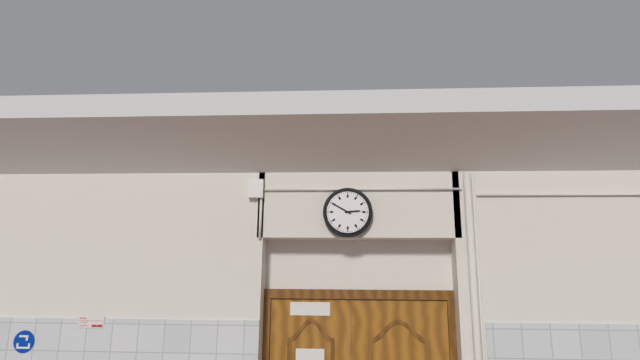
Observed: 2 h 50 min
